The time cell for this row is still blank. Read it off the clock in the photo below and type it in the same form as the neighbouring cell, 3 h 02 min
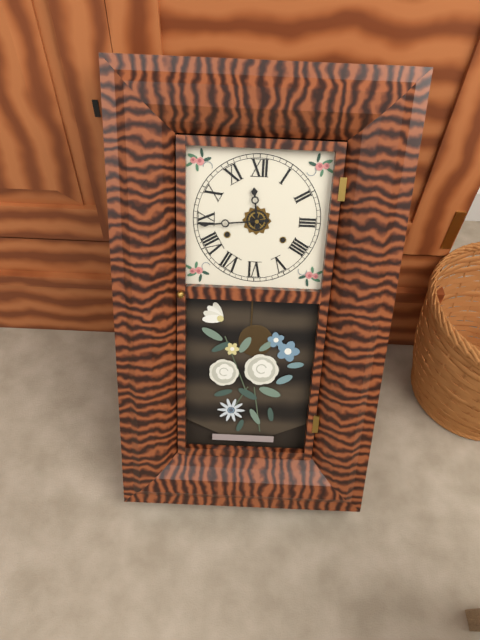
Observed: 11 h 44 min
